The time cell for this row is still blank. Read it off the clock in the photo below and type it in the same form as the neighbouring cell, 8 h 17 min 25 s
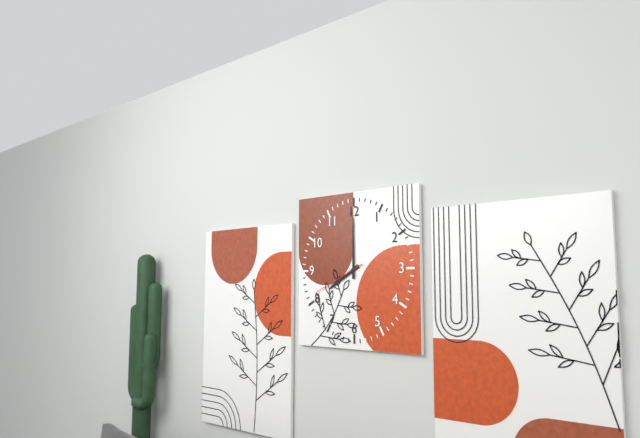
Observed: 8 h 00 min 41 s
